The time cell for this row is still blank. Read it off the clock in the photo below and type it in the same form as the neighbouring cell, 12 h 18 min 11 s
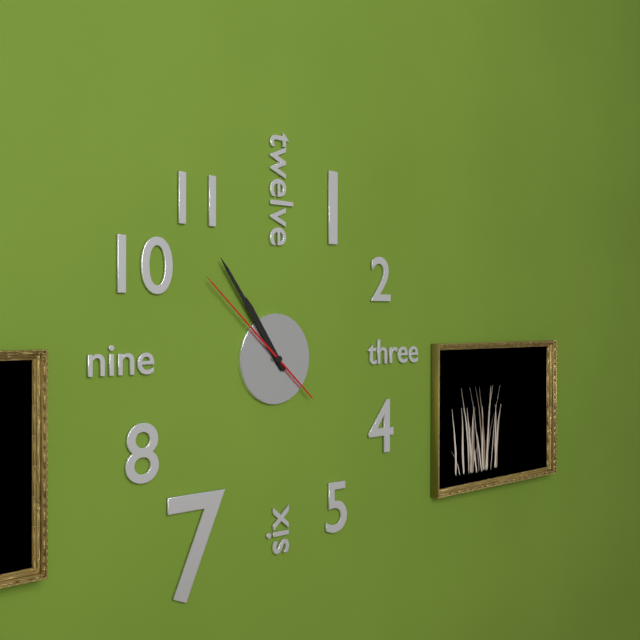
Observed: 10 h 54 min 52 s
